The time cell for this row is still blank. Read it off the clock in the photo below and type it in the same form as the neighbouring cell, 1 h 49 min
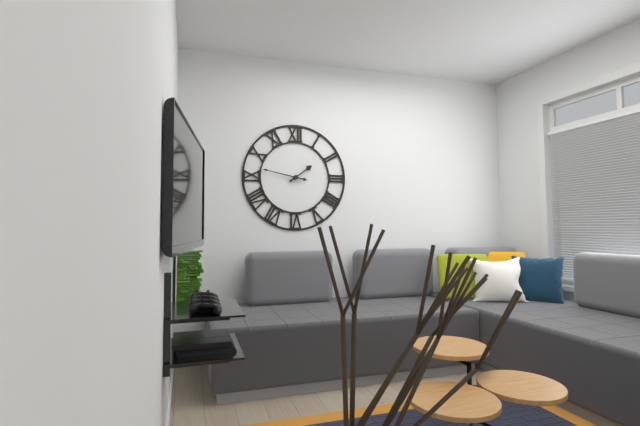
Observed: 1 h 47 min
